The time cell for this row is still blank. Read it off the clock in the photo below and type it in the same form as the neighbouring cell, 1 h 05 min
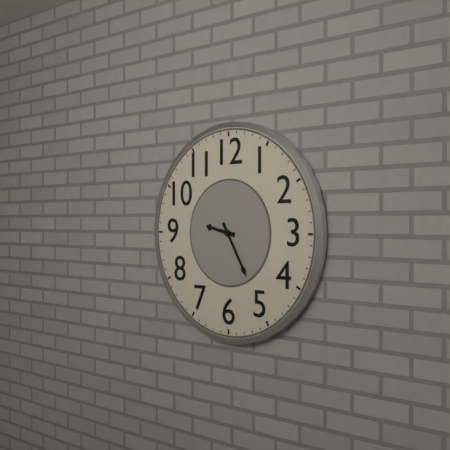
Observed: 9 h 25 min
